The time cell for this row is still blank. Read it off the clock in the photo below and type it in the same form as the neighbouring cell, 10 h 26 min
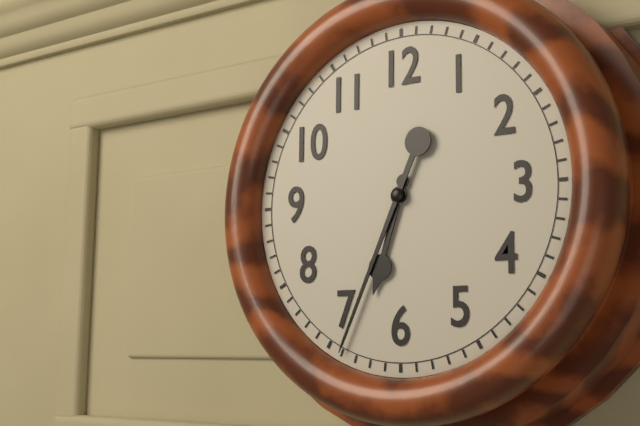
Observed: 6 h 34 min
